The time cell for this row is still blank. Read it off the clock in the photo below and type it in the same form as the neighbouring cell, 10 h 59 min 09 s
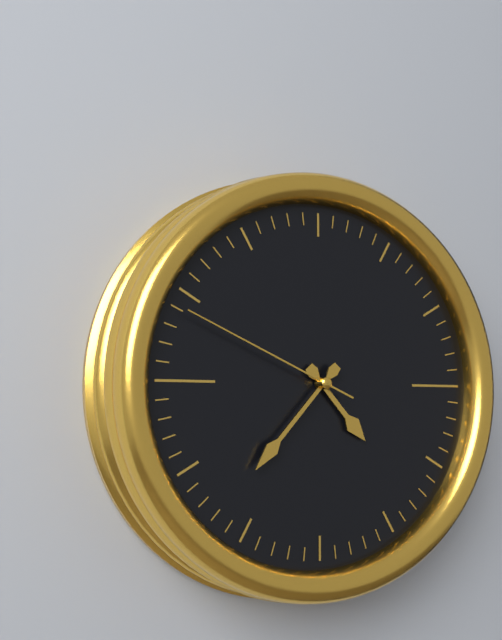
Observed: 4 h 37 min 49 s
